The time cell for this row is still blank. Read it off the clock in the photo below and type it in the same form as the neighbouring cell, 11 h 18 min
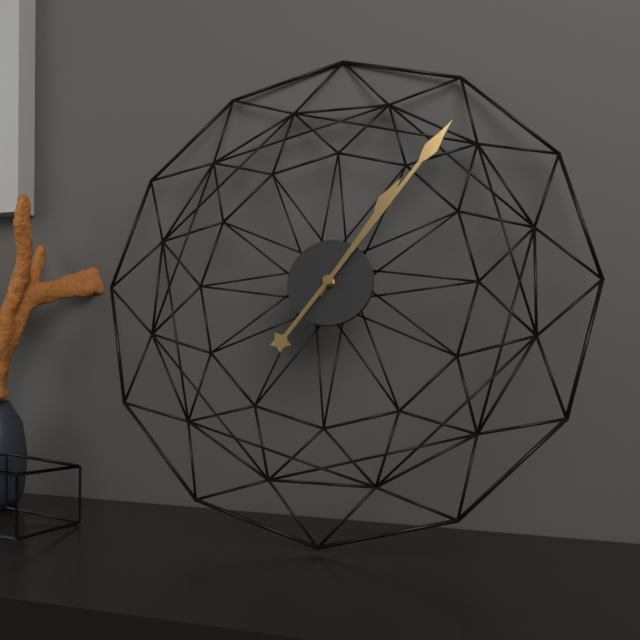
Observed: 1 h 06 min
